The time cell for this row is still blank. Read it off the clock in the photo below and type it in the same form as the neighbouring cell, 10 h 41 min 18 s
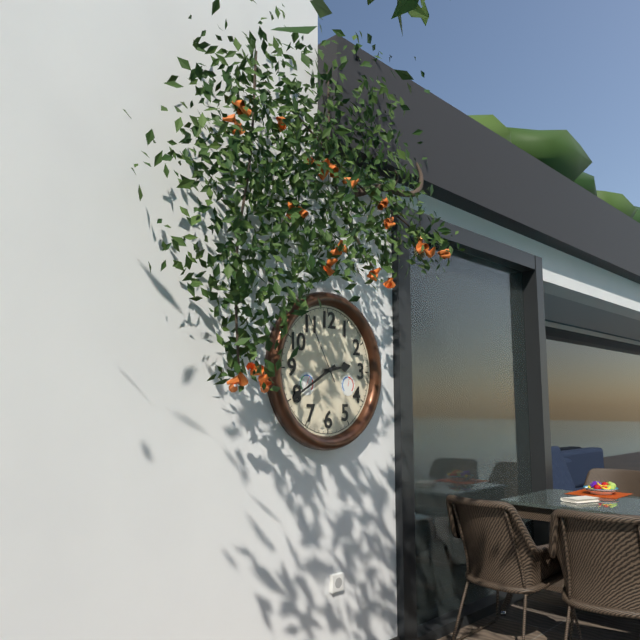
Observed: 2 h 40 min 55 s
